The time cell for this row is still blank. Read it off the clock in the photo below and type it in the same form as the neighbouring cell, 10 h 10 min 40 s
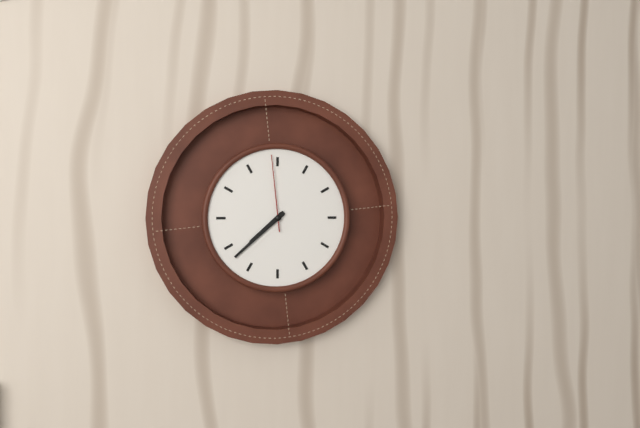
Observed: 7 h 38 min 59 s
